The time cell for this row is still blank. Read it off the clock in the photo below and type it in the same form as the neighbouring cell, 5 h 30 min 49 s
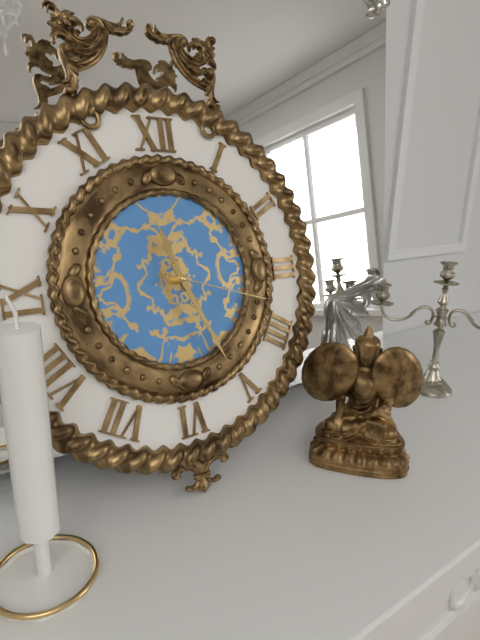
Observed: 11 h 26 min 18 s
